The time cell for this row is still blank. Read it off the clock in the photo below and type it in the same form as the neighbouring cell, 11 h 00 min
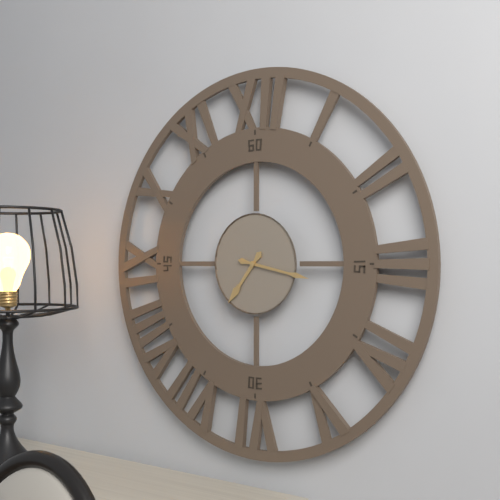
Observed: 7 h 17 min
